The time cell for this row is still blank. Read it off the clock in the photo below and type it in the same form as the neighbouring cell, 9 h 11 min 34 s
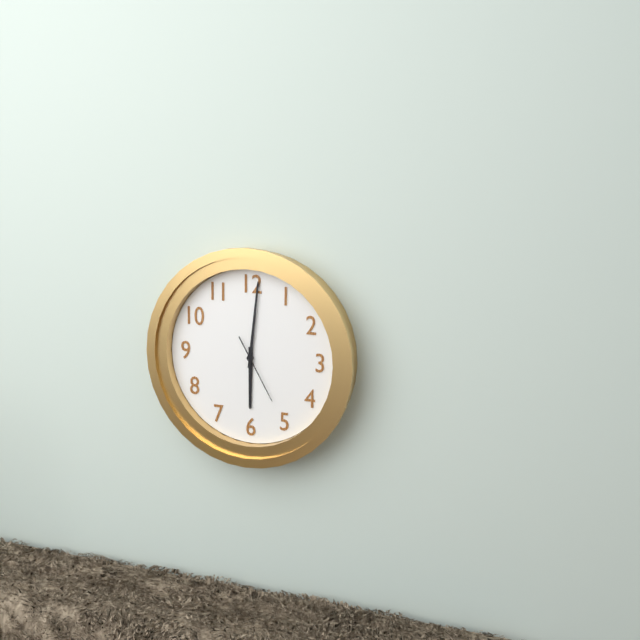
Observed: 6 h 01 min 25 s
